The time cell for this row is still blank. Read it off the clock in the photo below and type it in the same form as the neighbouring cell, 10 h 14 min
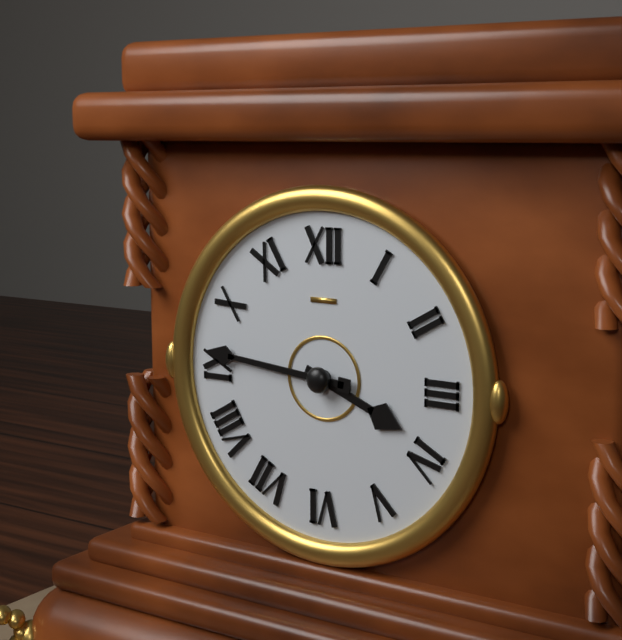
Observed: 3 h 46 min
